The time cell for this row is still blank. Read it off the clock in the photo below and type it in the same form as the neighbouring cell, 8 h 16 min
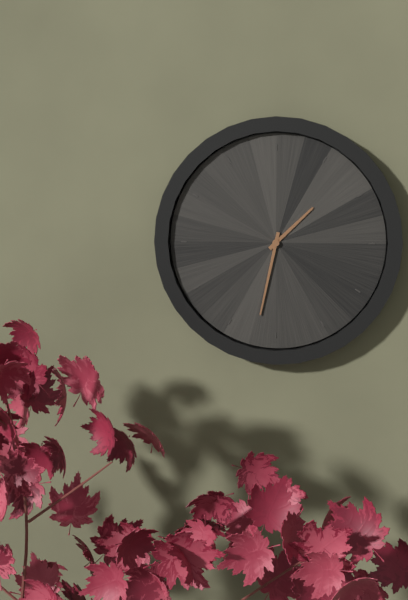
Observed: 1 h 32 min
